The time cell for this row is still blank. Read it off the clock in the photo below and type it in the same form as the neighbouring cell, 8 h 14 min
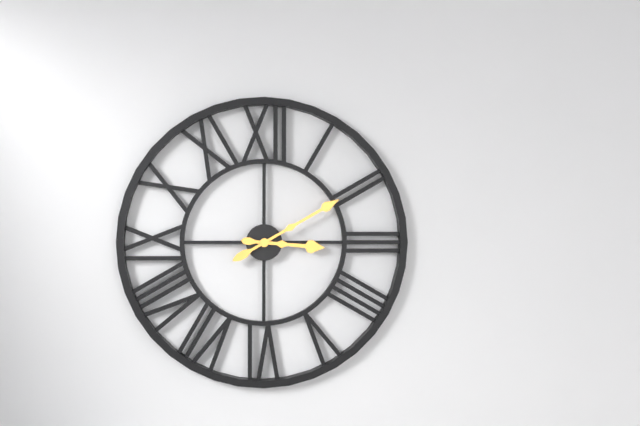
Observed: 3 h 10 min
